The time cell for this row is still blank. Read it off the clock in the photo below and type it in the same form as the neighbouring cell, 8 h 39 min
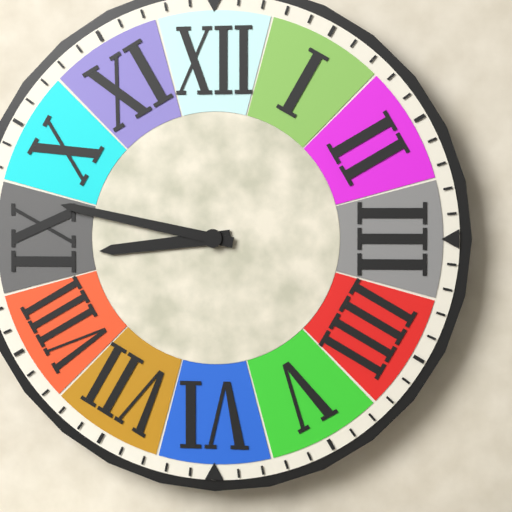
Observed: 8 h 47 min
